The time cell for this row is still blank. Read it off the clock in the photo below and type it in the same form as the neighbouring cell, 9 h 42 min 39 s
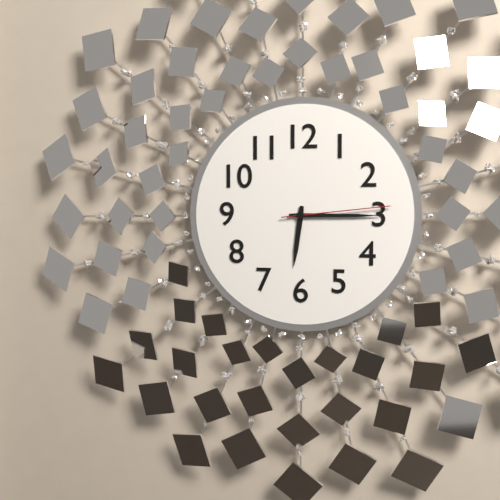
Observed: 6 h 15 min 14 s
